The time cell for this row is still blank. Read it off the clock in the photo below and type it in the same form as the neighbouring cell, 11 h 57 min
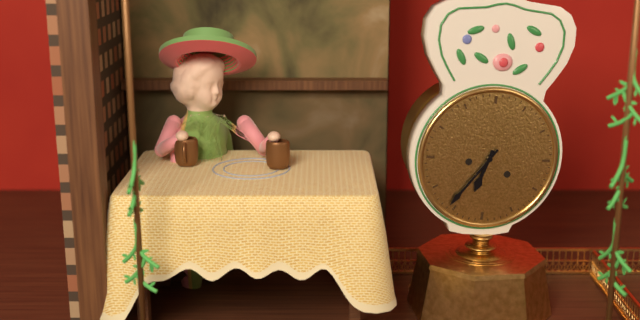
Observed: 6 h 36 min
